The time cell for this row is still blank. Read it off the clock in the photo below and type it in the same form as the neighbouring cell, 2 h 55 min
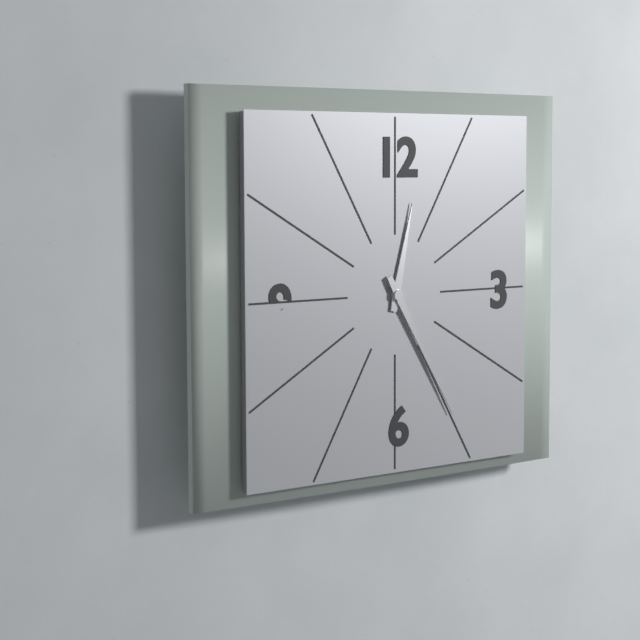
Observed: 12 h 25 min
